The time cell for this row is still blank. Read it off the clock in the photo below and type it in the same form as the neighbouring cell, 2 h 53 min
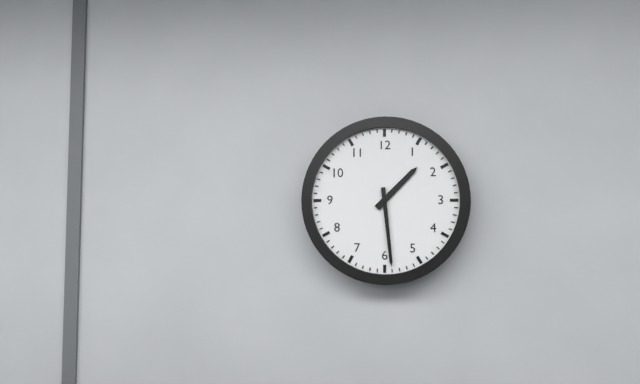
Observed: 1 h 29 min
